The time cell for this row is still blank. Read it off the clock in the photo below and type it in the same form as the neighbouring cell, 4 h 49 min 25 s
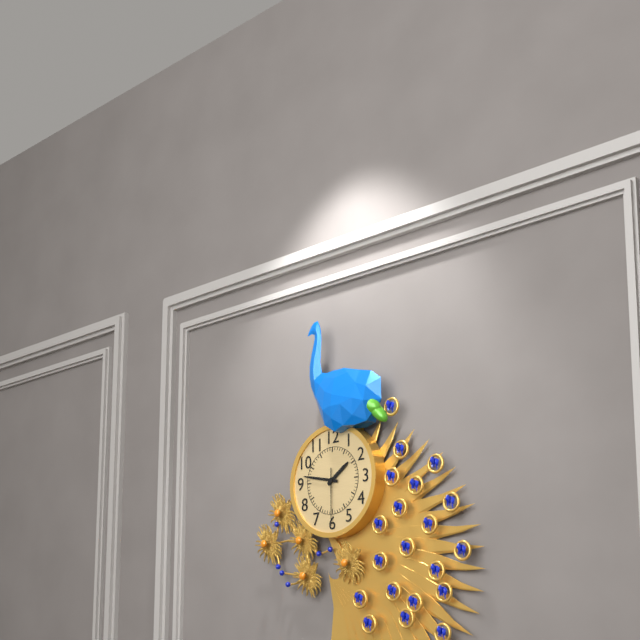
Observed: 1 h 47 min 30 s
